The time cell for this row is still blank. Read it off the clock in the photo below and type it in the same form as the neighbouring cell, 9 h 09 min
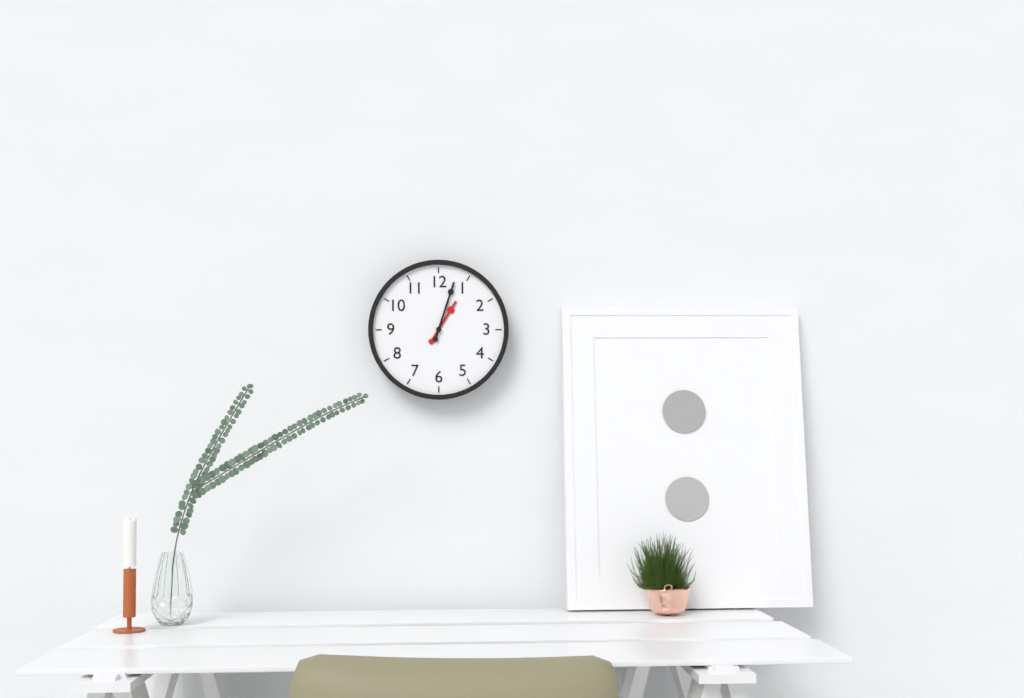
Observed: 1 h 03 min
